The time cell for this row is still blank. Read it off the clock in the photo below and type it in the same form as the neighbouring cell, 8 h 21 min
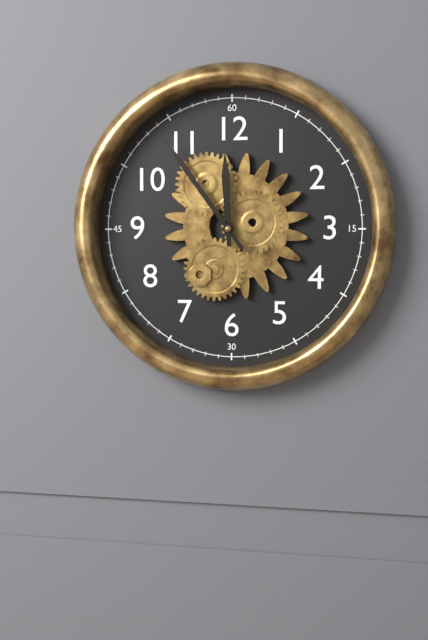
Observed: 11 h 54 min
